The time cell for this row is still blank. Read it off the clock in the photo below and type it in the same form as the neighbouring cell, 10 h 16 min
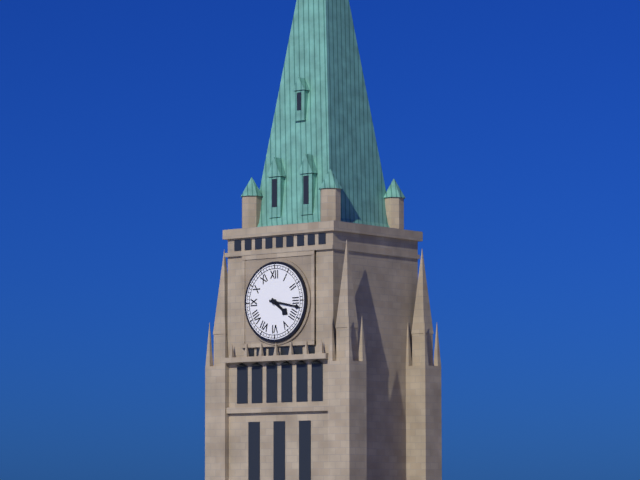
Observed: 4 h 17 min
